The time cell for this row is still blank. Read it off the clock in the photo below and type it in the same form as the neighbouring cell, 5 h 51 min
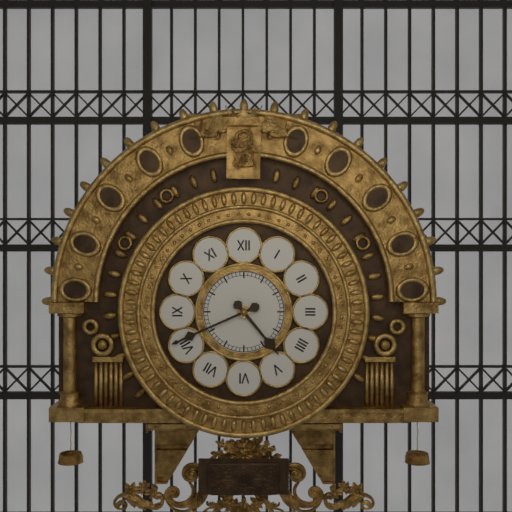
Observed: 4 h 41 min
